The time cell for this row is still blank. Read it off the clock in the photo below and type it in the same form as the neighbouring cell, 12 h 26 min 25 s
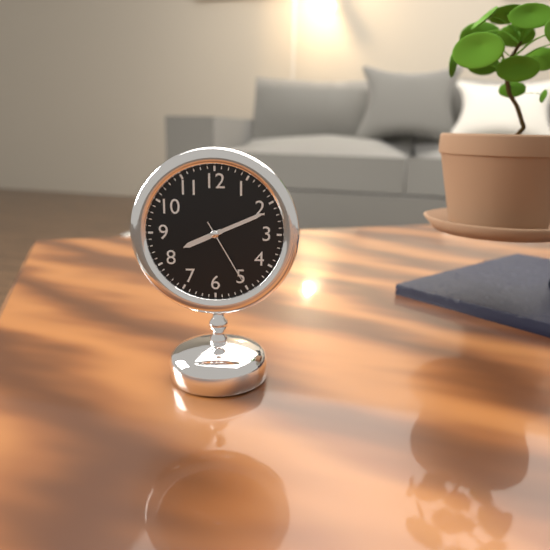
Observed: 8 h 11 min 25 s
